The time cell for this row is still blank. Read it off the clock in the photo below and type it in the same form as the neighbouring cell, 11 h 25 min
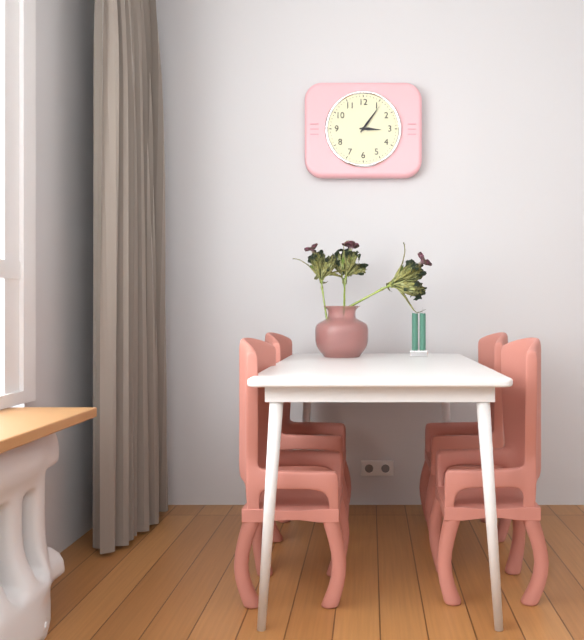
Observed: 3 h 06 min
